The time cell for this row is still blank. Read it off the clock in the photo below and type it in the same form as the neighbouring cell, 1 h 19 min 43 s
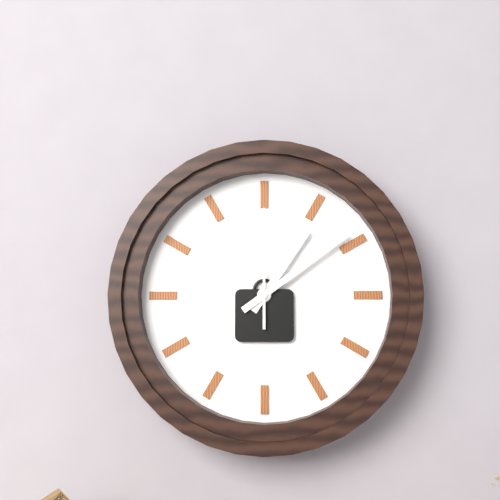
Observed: 1 h 09 min 00 s
